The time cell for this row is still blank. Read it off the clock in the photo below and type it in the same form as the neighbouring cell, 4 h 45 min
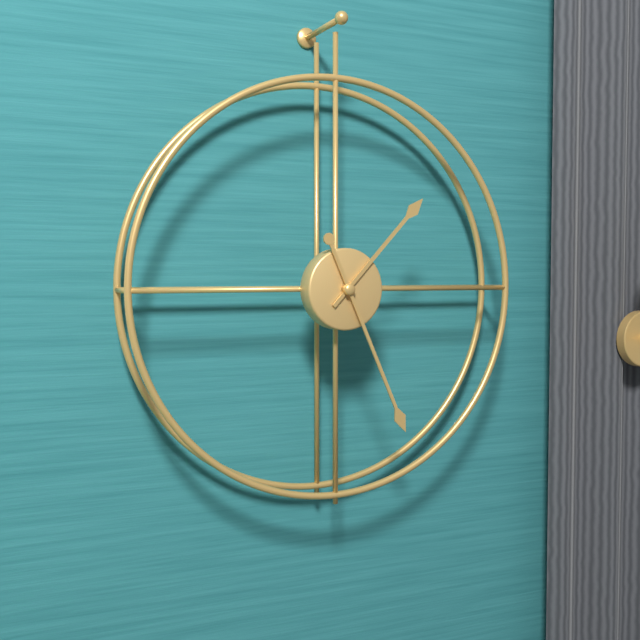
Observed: 1 h 26 min
